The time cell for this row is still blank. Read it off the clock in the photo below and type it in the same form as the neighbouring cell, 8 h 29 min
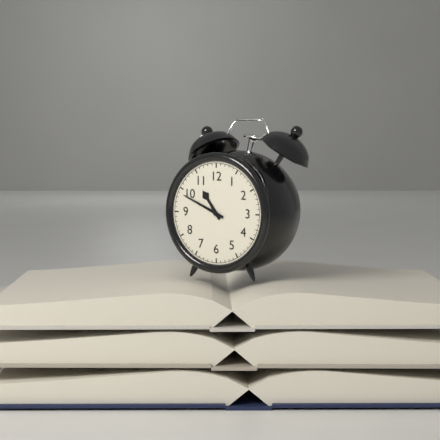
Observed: 10 h 49 min
